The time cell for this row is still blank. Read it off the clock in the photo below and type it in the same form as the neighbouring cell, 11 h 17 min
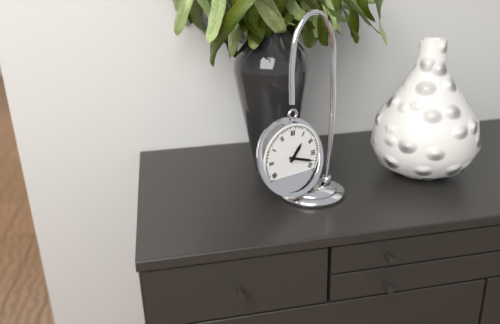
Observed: 1 h 18 min
